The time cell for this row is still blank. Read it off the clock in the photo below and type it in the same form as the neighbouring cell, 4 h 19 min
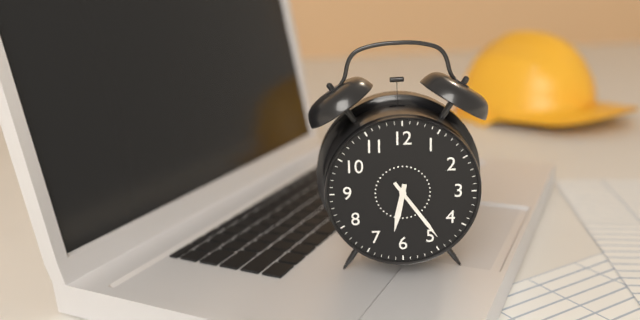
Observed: 6 h 24 min
